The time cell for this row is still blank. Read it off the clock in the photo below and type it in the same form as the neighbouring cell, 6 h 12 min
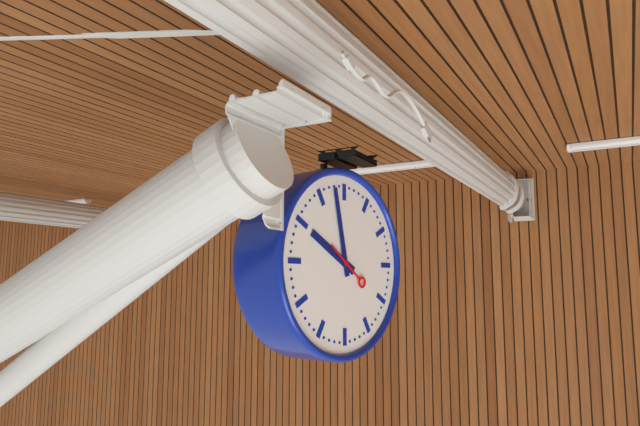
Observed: 9 h 58 min
